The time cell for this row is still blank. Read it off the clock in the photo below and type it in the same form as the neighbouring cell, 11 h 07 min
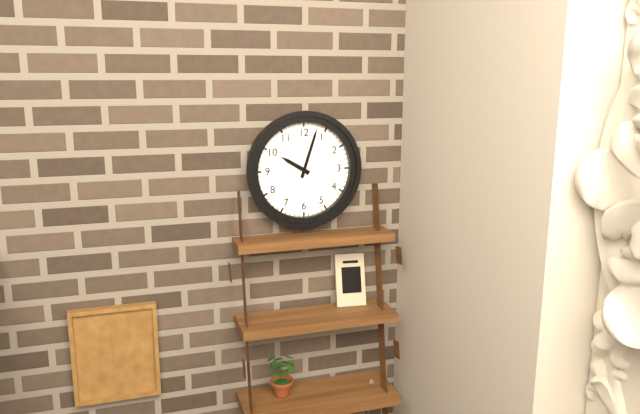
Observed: 10 h 03 min
